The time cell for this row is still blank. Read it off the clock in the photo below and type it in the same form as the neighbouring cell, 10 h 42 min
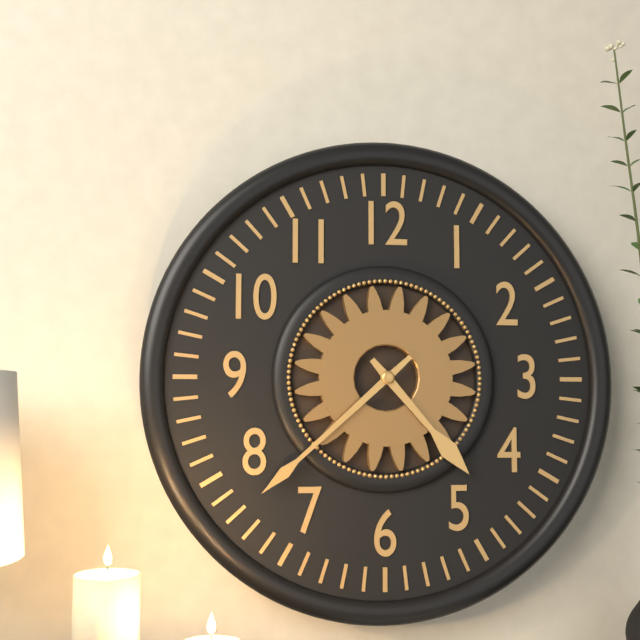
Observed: 4 h 38 min
